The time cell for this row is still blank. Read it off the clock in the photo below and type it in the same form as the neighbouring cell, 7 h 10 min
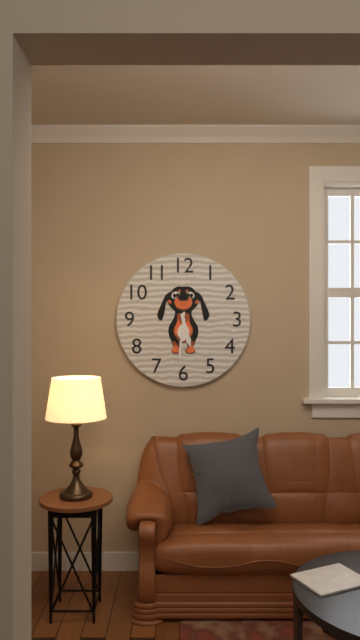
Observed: 5 h 31 min
